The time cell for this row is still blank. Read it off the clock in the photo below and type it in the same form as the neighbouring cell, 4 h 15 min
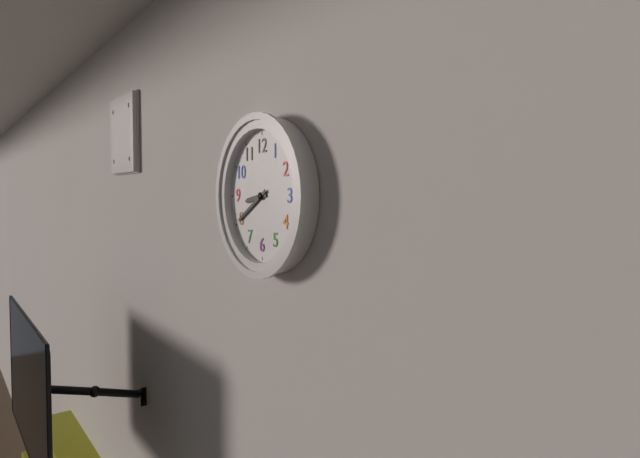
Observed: 8 h 40 min
